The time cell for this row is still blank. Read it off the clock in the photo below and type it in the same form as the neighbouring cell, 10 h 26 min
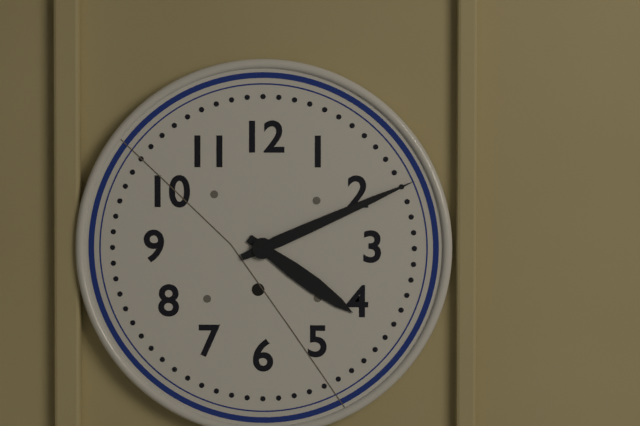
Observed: 4 h 11 min
